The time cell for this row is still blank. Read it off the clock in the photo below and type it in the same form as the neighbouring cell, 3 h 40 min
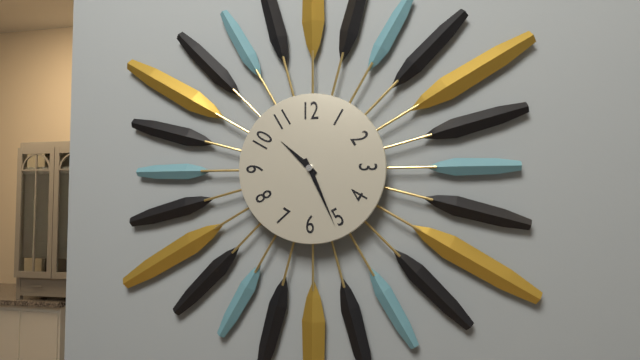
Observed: 10 h 26 min
